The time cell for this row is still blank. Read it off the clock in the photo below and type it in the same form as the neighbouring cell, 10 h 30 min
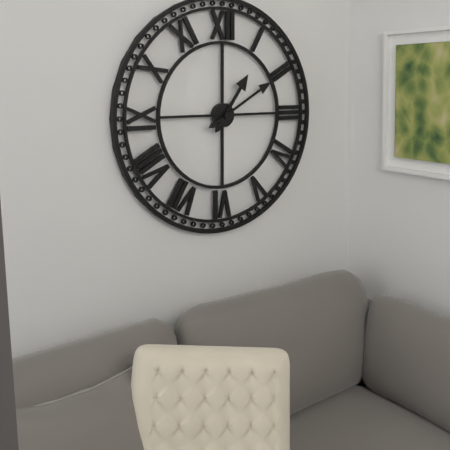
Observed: 1 h 10 min
